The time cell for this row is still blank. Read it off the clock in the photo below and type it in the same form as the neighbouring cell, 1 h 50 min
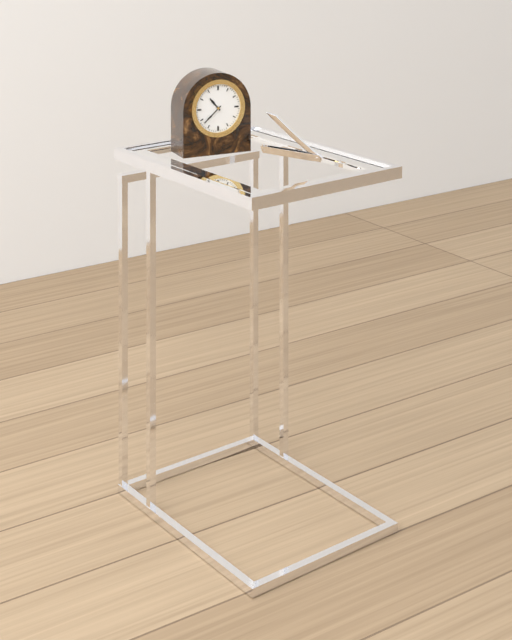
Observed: 10 h 38 min
